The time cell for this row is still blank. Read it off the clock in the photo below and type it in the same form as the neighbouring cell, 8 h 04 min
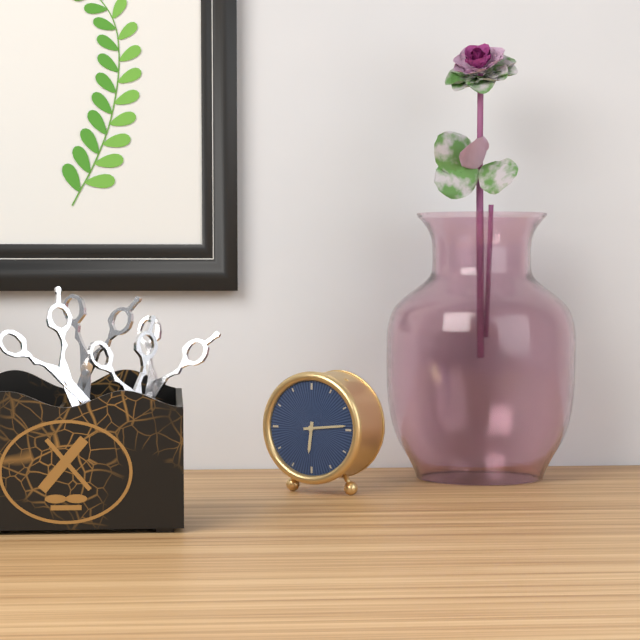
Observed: 6 h 14 min
